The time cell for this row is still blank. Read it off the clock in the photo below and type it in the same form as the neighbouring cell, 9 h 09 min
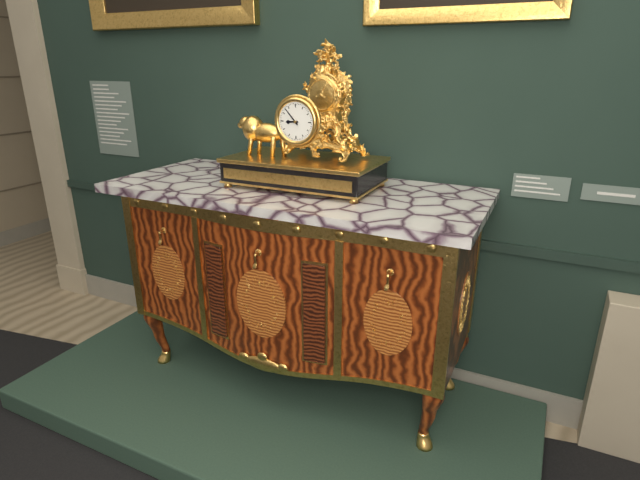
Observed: 8 h 53 min
